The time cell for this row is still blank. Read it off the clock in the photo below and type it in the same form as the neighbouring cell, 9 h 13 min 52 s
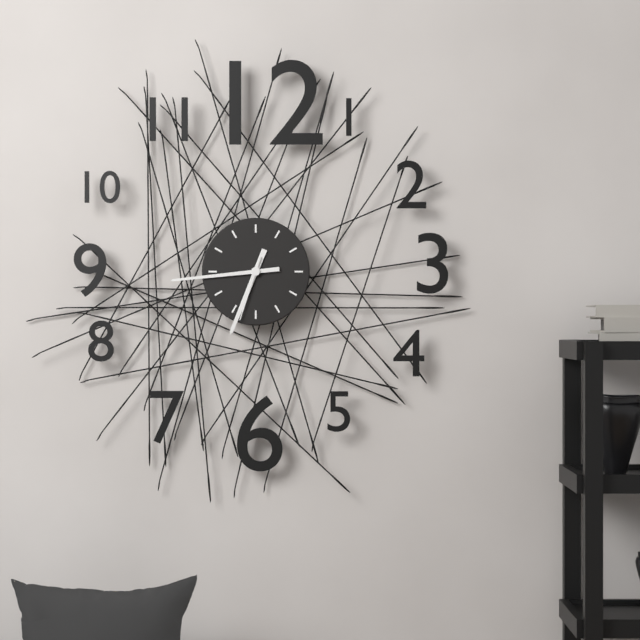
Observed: 6 h 44 min 33 s
